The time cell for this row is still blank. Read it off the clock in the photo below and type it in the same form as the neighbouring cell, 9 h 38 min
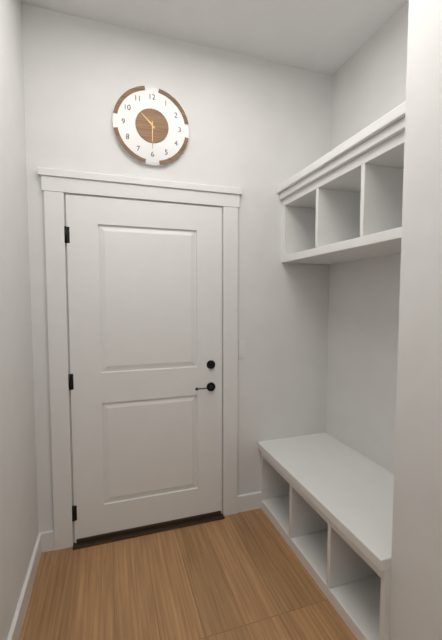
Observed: 10 h 30 min
